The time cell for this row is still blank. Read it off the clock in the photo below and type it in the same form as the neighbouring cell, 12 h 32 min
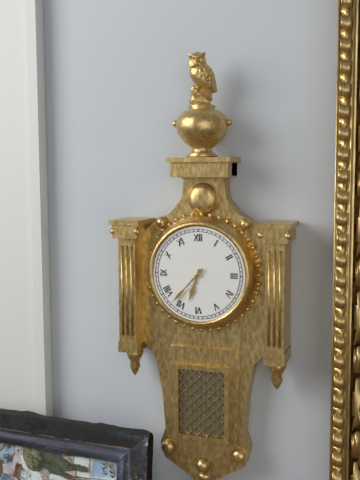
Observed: 6 h 37 min
